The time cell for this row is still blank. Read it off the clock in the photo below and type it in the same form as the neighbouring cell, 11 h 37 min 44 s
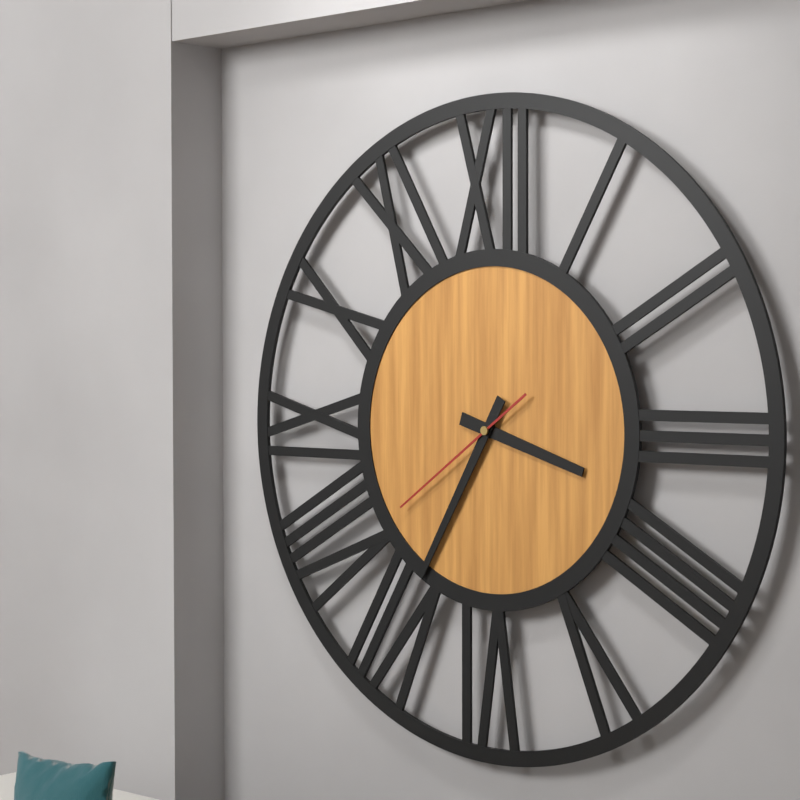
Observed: 3 h 35 min 39 s
